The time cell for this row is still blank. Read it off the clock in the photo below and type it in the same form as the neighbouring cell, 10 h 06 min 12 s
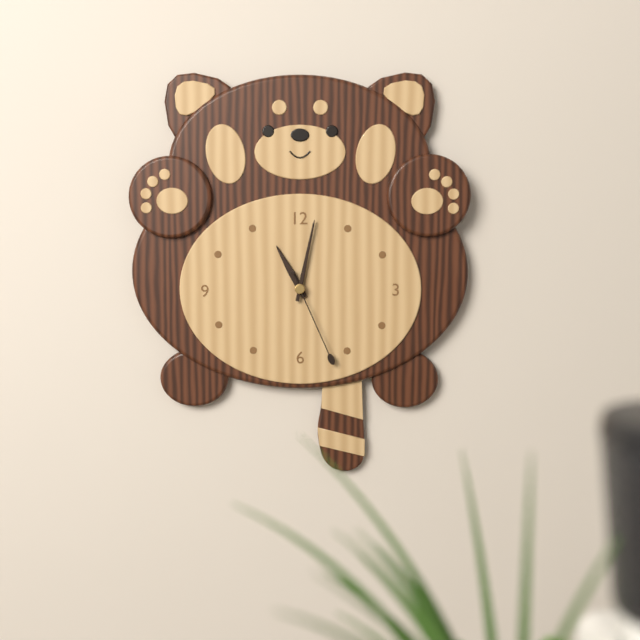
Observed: 11 h 02 min 26 s
